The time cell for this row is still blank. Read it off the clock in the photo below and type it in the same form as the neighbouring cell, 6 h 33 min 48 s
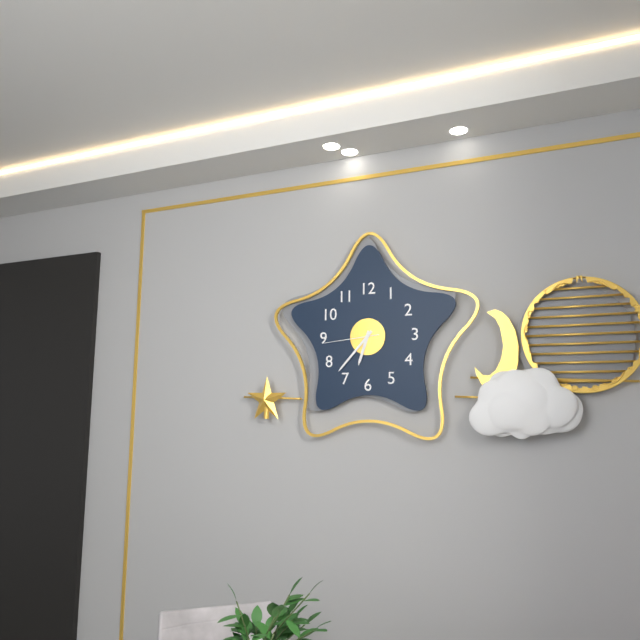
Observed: 6 h 37 min 44 s
